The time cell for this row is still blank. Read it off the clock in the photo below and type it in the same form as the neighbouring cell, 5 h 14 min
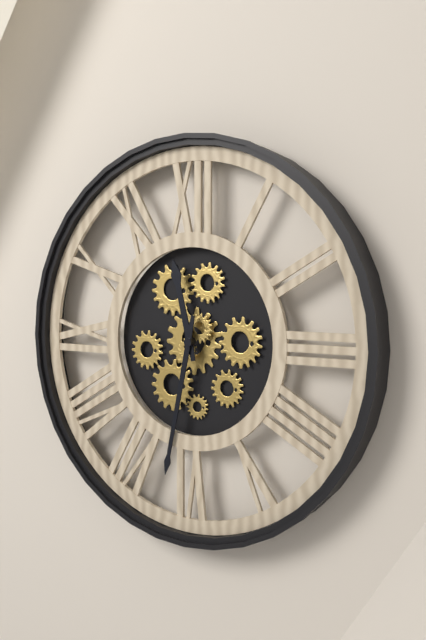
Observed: 11 h 32 min
